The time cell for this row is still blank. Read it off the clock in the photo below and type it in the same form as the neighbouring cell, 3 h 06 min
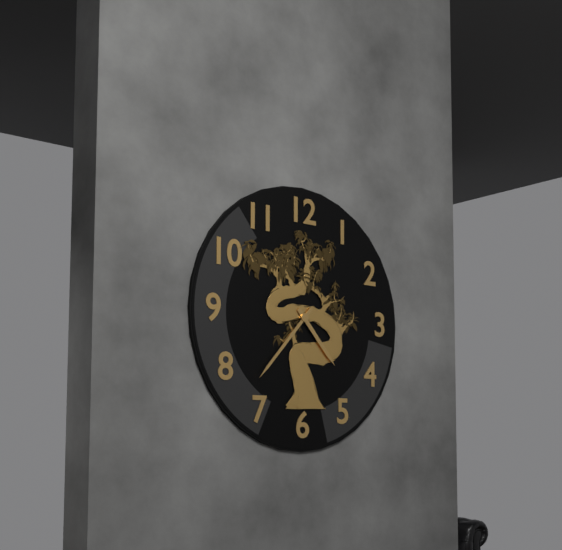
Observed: 4 h 37 min
